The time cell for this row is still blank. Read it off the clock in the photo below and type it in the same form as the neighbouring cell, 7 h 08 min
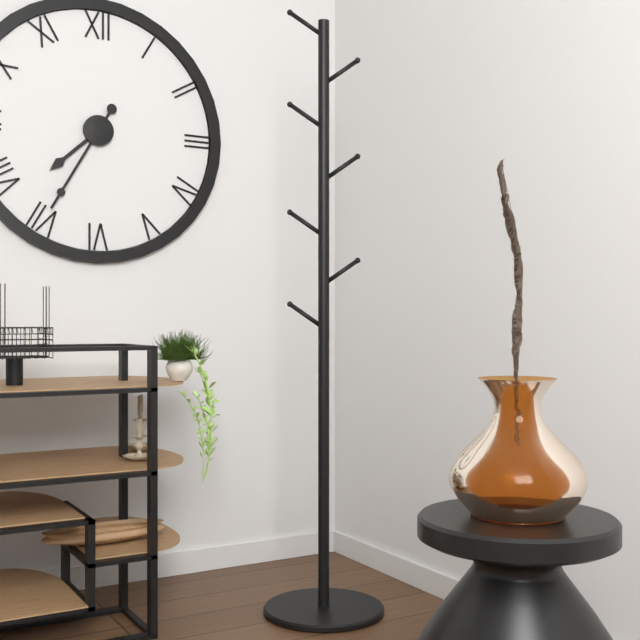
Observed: 7 h 35 min
